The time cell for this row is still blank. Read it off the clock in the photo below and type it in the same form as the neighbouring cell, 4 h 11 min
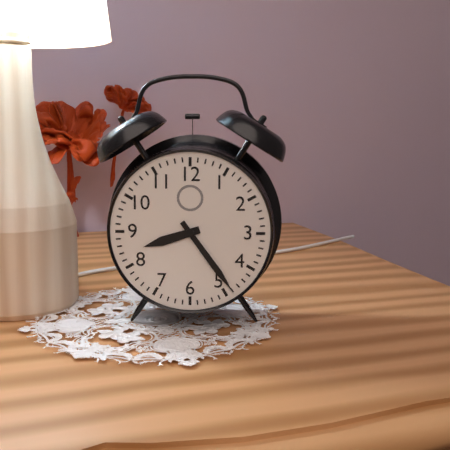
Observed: 8 h 24 min
